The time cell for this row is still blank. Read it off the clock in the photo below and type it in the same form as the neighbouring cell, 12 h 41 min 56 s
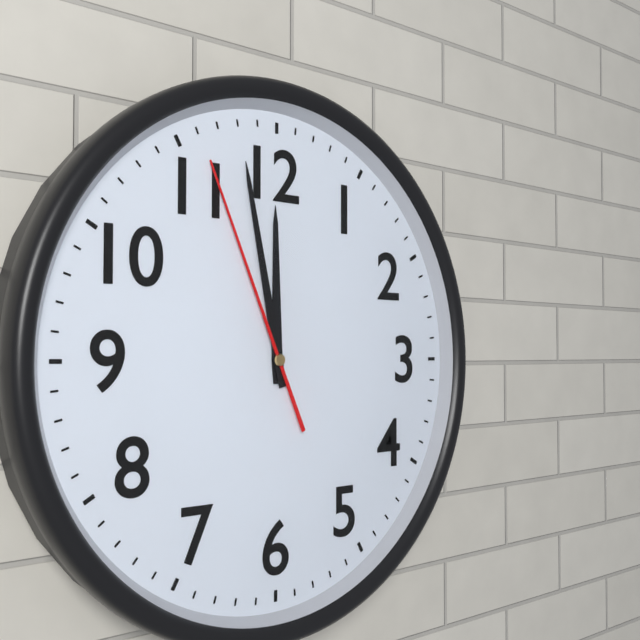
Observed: 11 h 58 min 56 s
